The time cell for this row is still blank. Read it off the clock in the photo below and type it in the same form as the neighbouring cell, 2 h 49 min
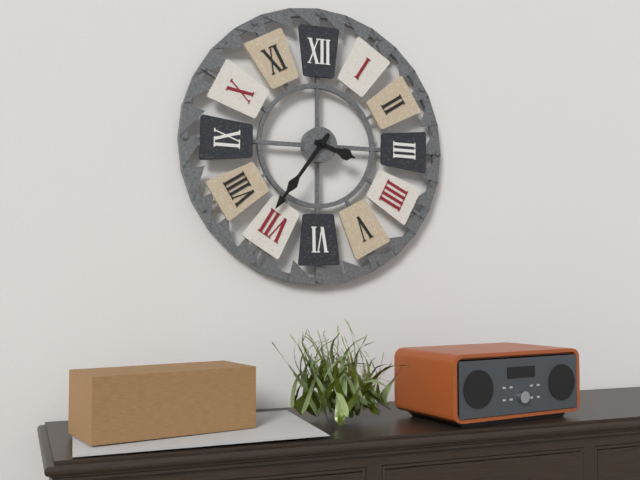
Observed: 3 h 36 min
